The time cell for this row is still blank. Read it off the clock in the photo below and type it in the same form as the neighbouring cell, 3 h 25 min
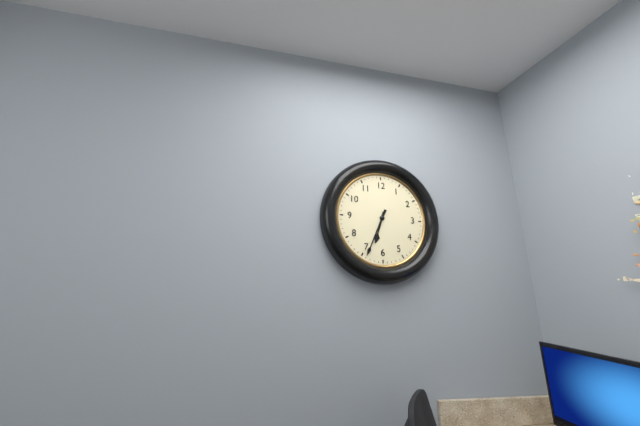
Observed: 6 h 34 min
